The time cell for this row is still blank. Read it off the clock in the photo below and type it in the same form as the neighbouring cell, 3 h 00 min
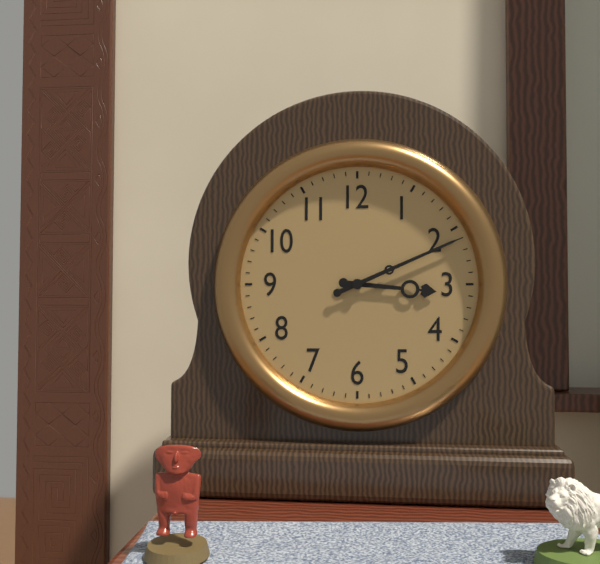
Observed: 3 h 11 min
